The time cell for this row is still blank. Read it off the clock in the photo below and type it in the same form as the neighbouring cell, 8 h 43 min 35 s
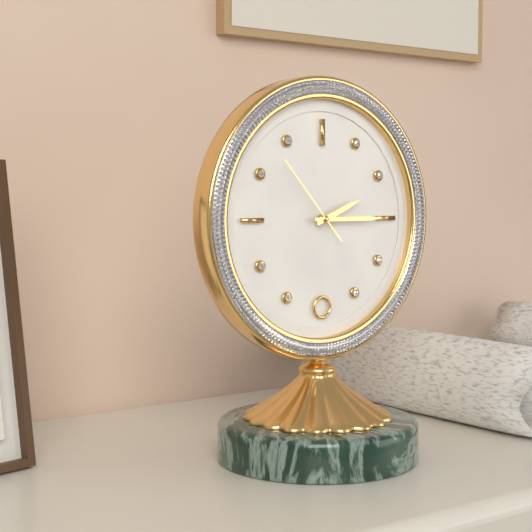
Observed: 2 h 15 min 53 s
